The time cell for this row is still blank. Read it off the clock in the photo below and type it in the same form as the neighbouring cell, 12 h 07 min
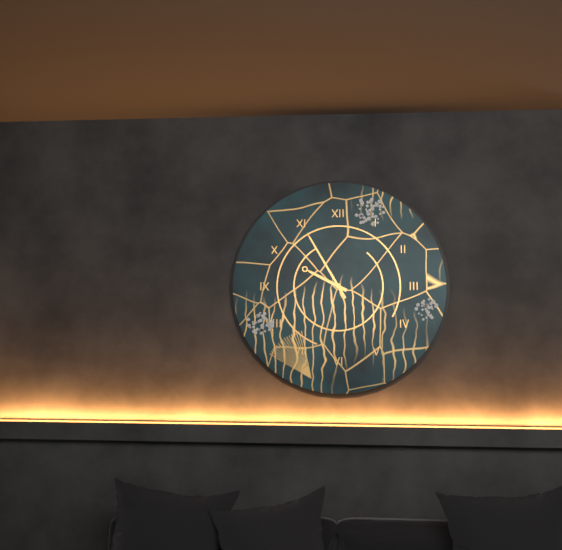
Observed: 9 h 55 min
